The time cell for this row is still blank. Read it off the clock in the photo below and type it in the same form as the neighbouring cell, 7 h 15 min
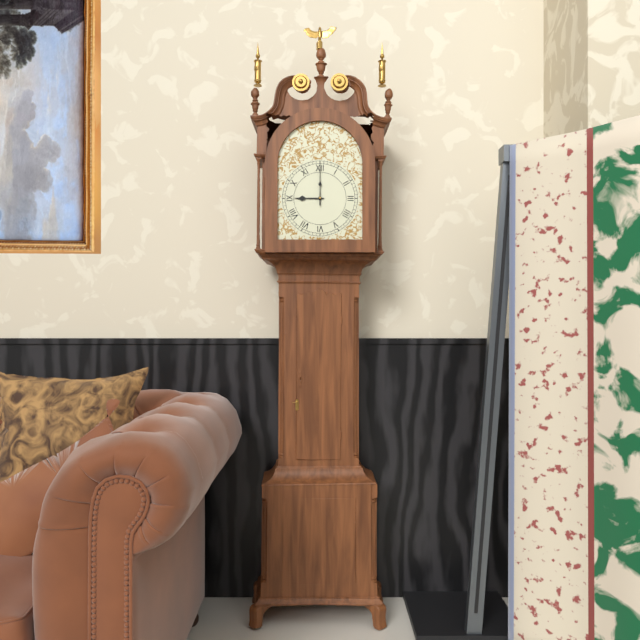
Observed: 9 h 00 min
